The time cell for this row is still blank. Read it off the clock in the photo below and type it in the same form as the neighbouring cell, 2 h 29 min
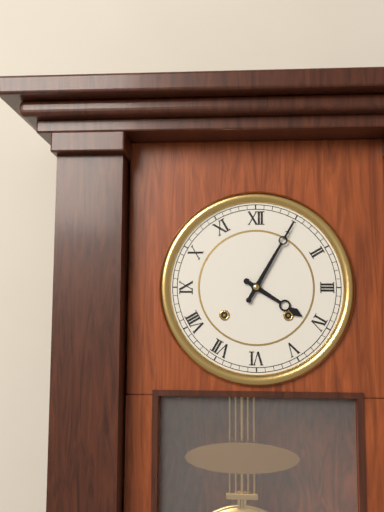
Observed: 4 h 05 min
